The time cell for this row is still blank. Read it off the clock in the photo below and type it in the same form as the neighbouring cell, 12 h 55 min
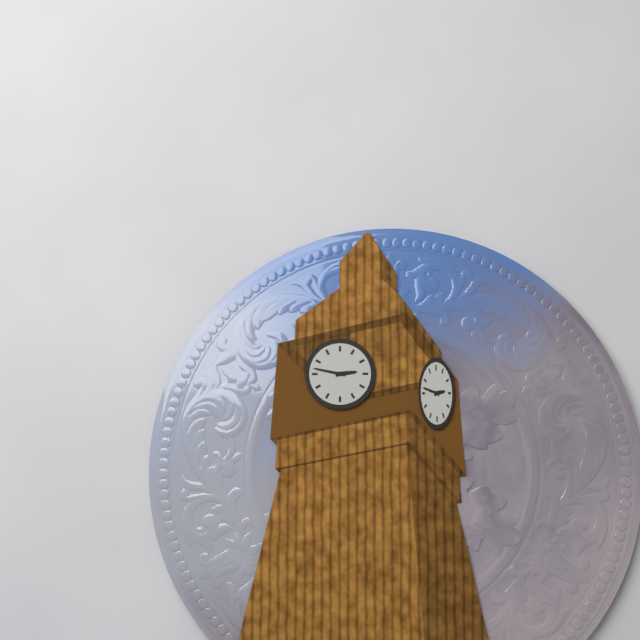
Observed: 2 h 47 min
